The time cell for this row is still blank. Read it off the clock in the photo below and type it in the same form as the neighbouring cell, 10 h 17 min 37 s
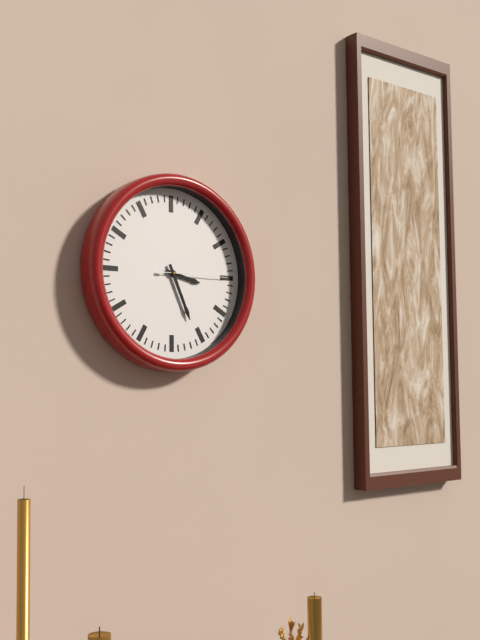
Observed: 3 h 26 min 15 s
